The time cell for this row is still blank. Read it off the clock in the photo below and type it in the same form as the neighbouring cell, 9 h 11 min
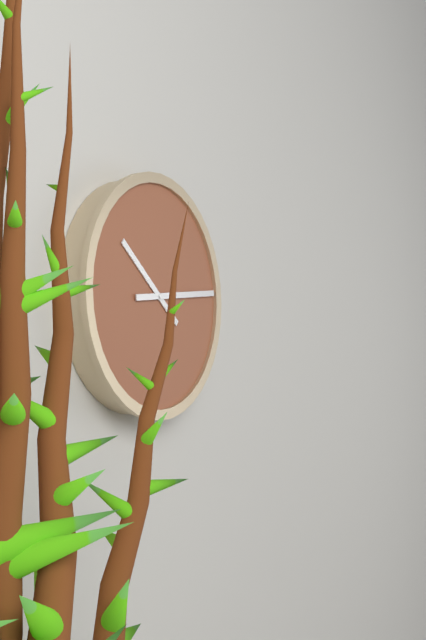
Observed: 10 h 14 min
